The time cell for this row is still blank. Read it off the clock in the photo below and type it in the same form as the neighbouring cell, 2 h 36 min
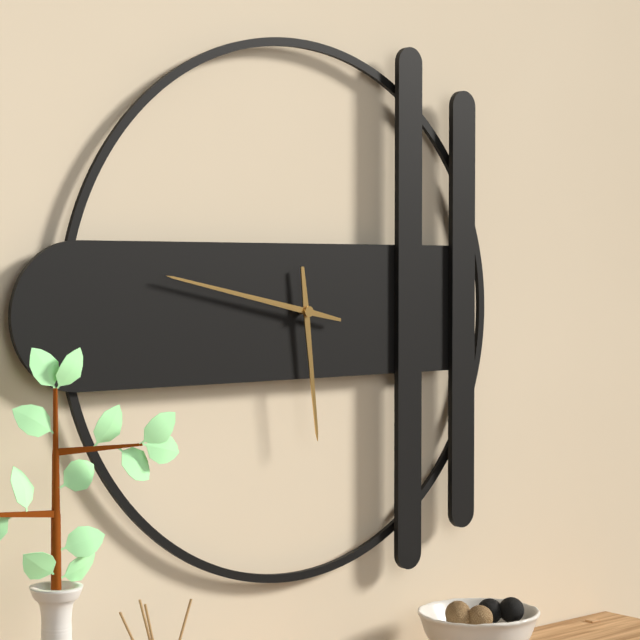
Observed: 5 h 47 min
